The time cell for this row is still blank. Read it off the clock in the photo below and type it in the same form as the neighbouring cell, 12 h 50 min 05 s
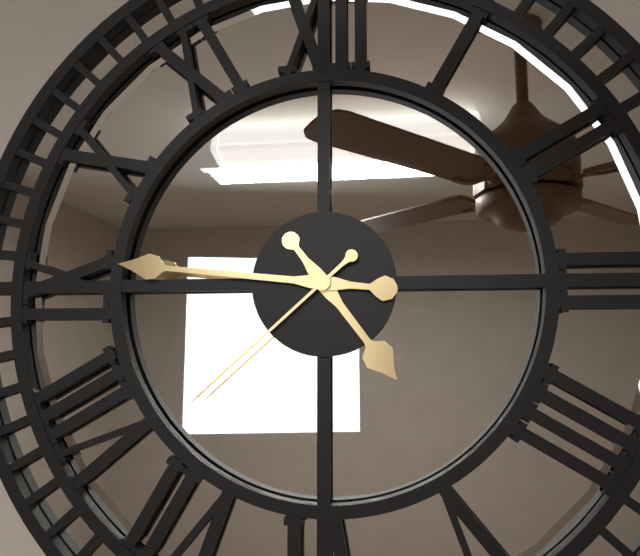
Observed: 4 h 46 min 38 s
